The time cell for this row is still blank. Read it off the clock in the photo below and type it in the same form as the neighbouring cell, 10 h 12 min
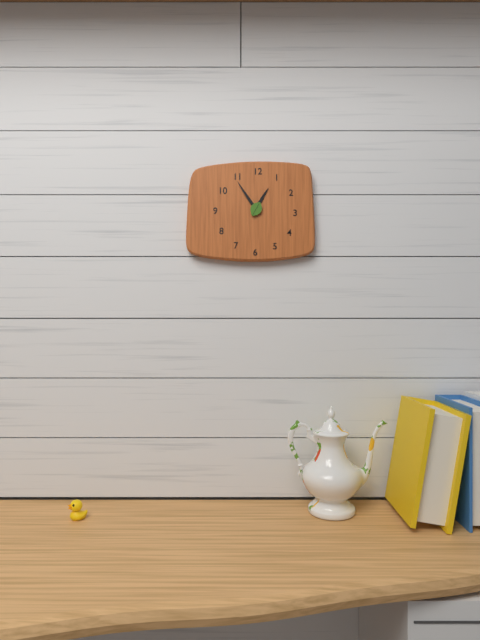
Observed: 12 h 54 min
